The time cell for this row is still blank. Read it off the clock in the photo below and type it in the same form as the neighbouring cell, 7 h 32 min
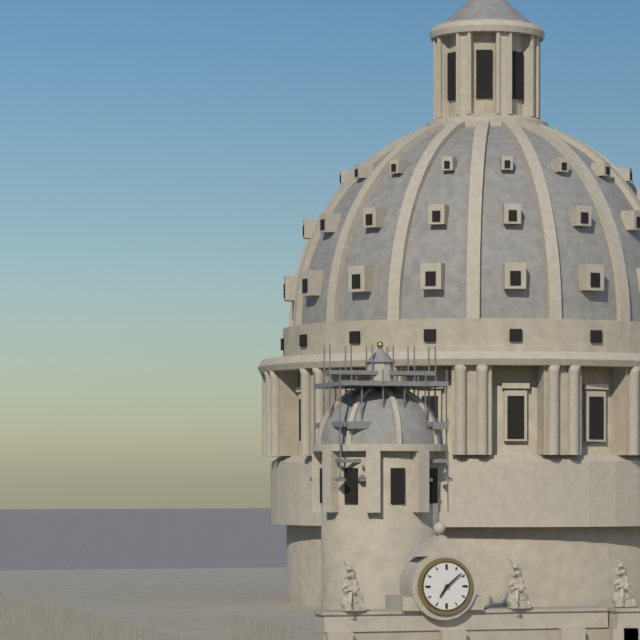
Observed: 7 h 08 min
